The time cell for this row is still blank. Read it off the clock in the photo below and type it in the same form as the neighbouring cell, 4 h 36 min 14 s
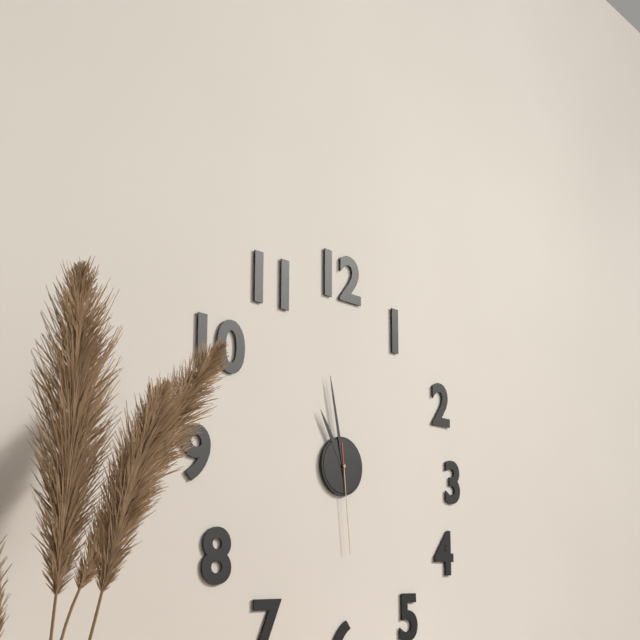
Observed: 10 h 58 min 29 s
